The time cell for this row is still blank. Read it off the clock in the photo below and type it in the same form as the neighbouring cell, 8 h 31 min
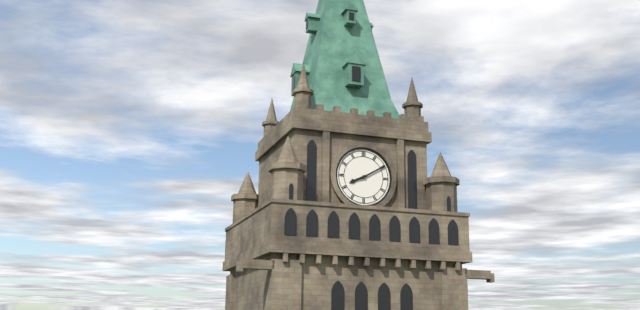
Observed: 8 h 10 min
